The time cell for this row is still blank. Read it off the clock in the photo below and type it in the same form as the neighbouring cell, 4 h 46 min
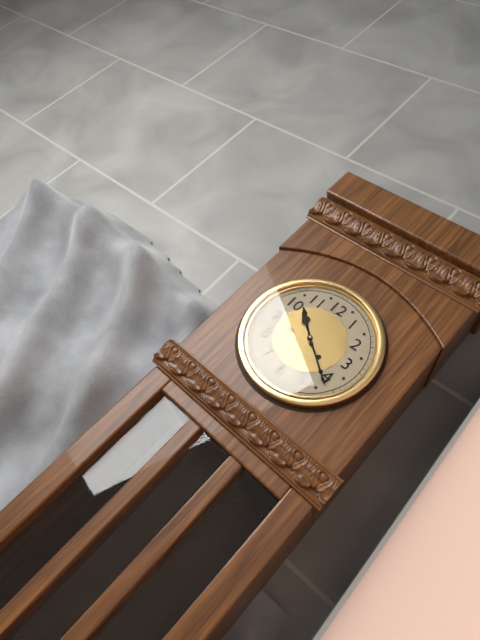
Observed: 10 h 21 min
